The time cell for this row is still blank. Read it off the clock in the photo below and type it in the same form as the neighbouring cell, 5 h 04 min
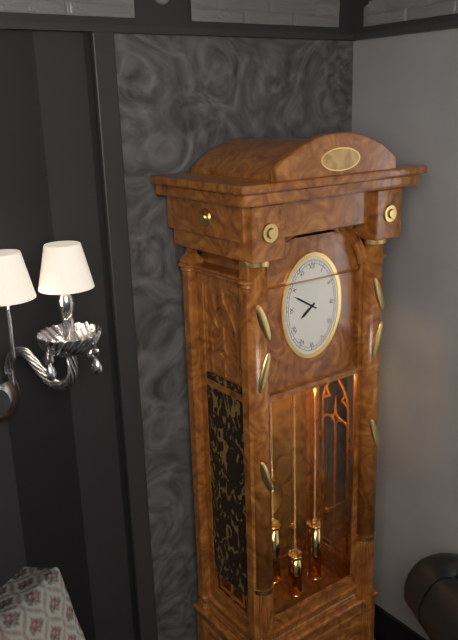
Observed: 7 h 50 min
